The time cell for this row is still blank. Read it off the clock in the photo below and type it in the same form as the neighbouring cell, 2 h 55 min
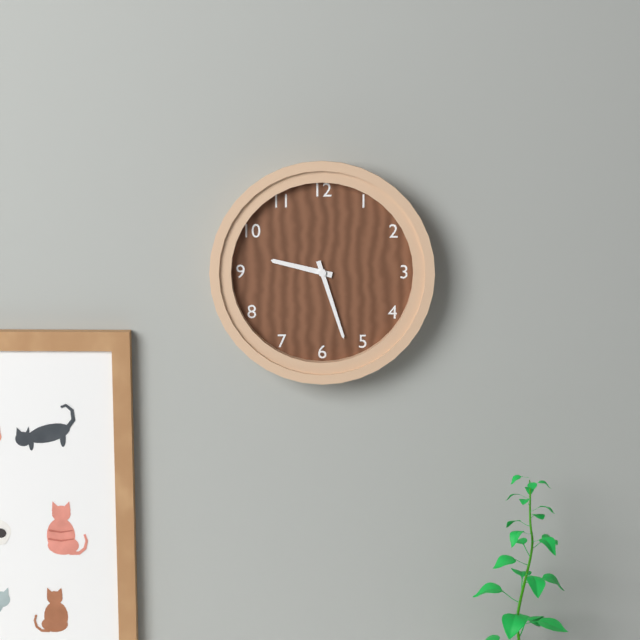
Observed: 9 h 27 min
